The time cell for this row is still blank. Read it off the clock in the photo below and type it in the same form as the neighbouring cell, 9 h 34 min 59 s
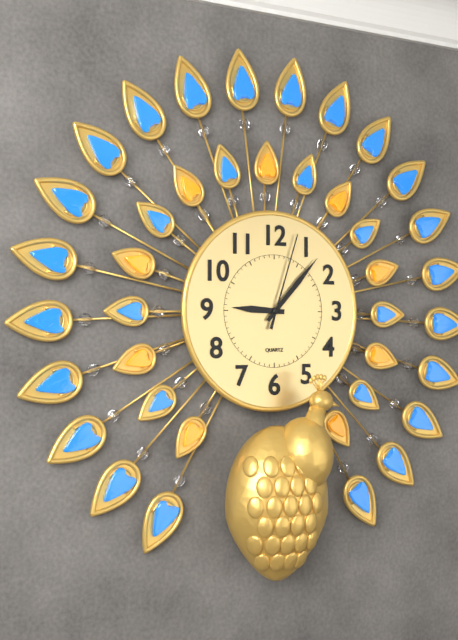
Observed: 9 h 07 min 03 s
